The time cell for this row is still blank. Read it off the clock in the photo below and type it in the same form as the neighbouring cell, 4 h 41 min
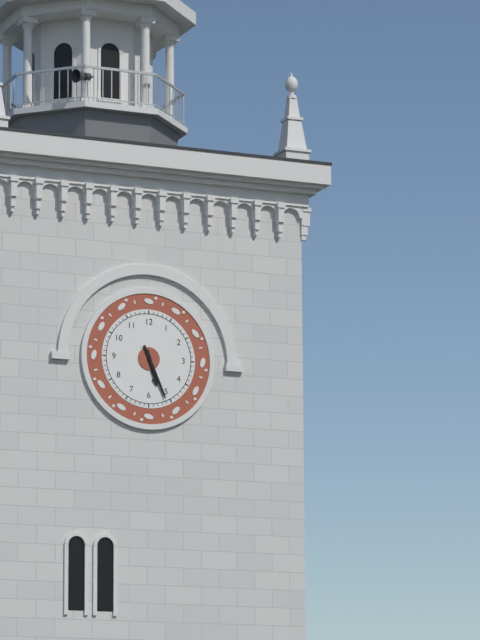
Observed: 5 h 26 min
